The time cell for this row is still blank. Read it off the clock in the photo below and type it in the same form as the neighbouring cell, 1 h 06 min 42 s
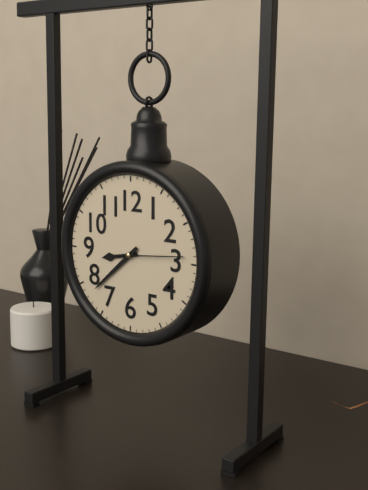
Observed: 8 h 38 min 14 s
